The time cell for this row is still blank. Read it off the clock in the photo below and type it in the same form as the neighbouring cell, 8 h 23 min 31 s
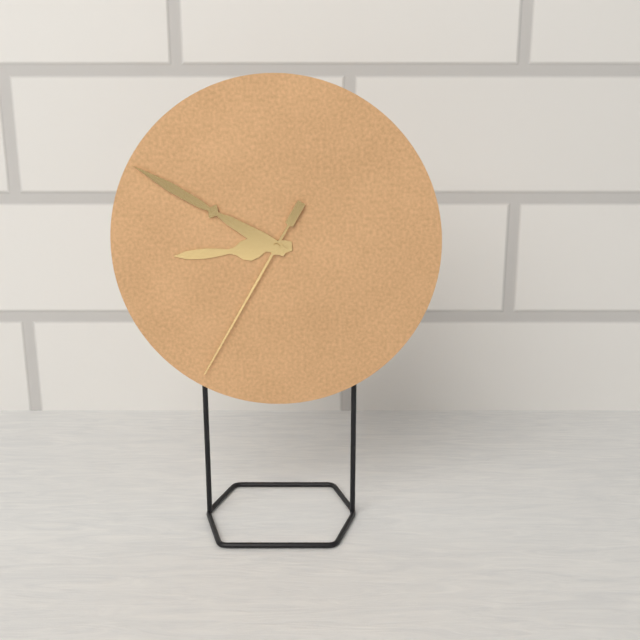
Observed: 8 h 50 min 35 s
